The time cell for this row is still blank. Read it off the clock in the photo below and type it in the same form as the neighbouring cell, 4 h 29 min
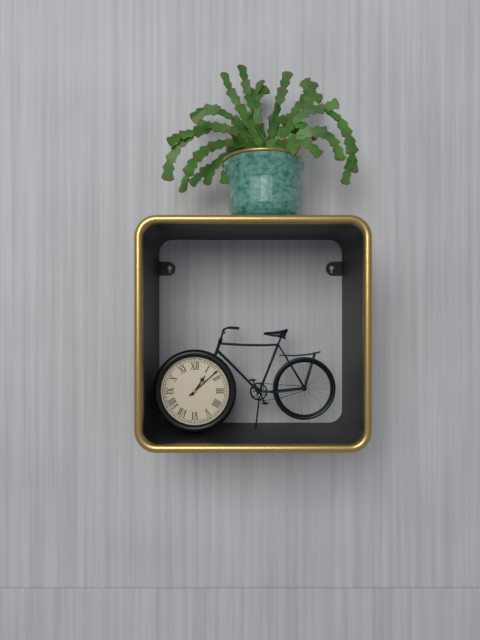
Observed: 1 h 08 min
